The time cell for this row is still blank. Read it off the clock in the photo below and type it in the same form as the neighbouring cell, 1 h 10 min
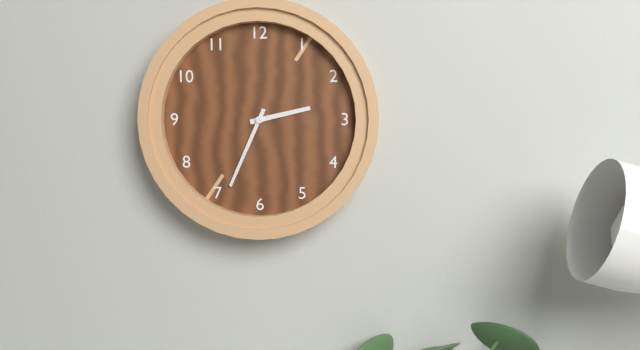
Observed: 2 h 34 min
